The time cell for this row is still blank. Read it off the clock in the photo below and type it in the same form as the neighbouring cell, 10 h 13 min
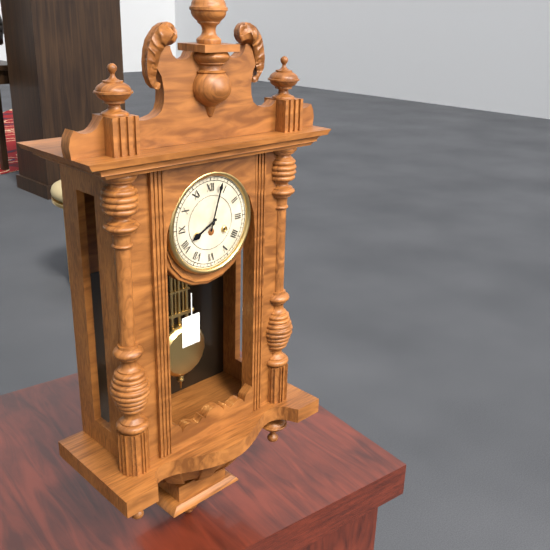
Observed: 8 h 03 min
